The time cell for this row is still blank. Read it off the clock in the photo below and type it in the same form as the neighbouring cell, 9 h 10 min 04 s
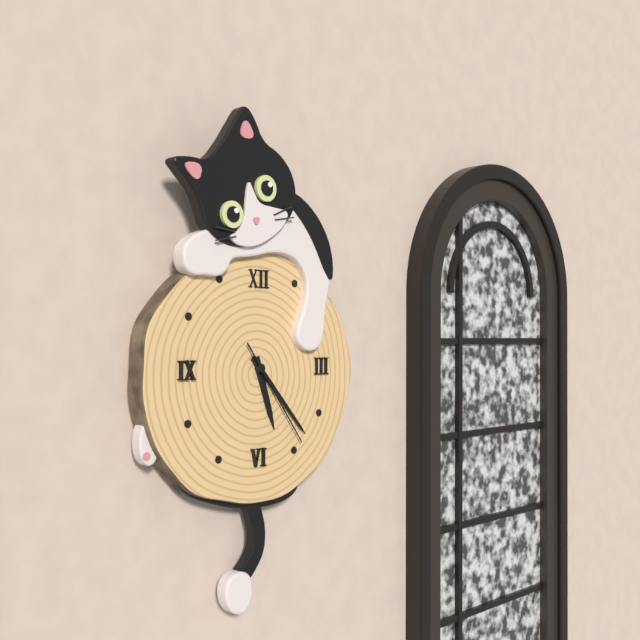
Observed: 5 h 23 min 24 s
